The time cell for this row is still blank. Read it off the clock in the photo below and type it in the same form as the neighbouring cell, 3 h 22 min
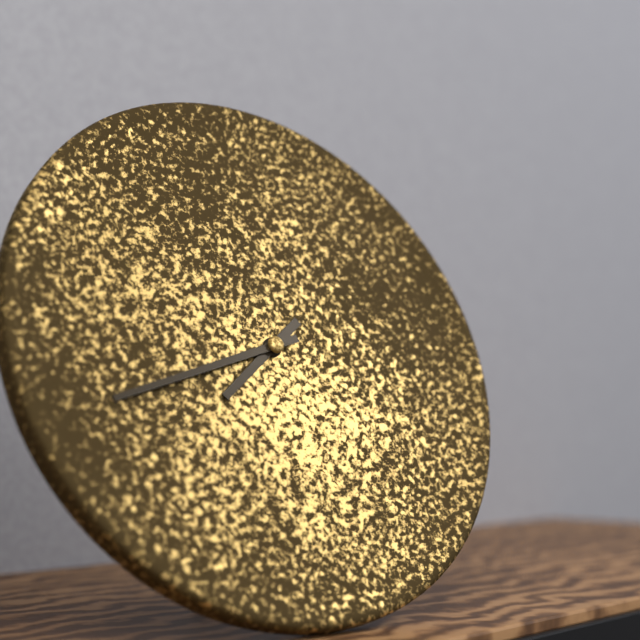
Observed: 7 h 42 min
